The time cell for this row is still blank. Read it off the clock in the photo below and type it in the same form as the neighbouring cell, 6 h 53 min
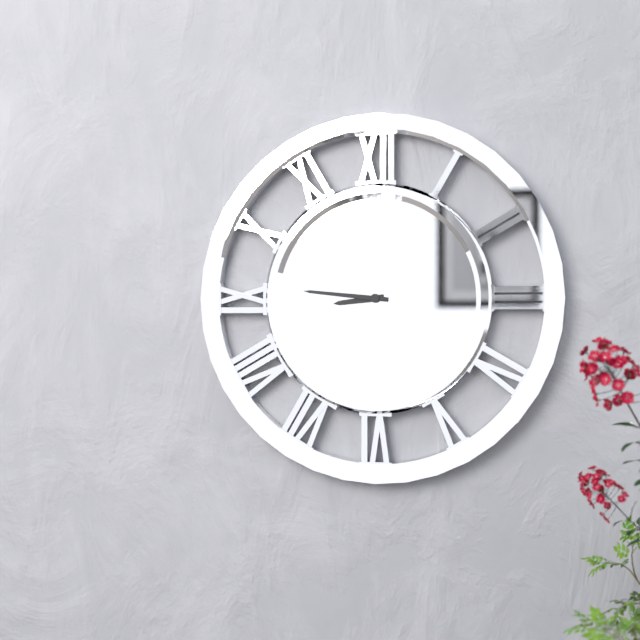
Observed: 8 h 46 min
